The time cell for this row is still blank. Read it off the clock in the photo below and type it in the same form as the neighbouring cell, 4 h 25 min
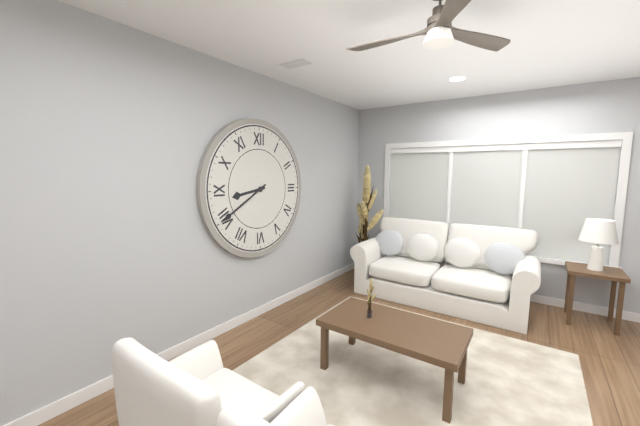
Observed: 8 h 40 min
